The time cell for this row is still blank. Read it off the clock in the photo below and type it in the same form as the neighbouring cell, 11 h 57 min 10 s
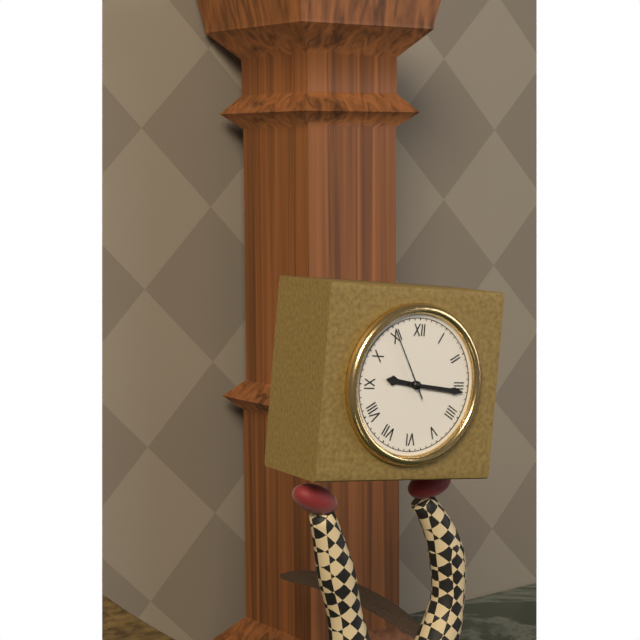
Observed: 9 h 16 min 55 s
